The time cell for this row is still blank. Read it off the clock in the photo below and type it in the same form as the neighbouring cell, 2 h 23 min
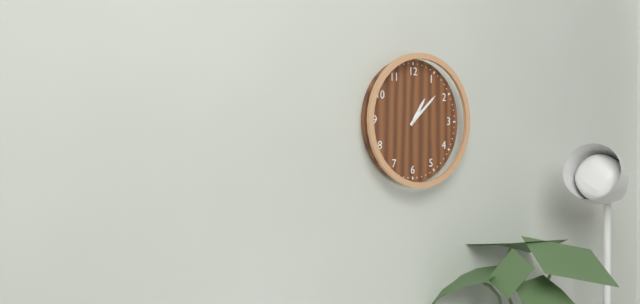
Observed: 1 h 08 min
